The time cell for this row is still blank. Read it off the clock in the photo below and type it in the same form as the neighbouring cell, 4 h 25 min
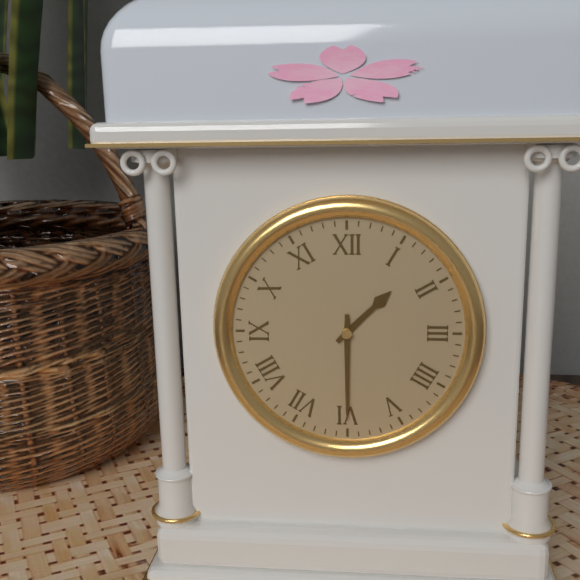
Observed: 1 h 30 min
